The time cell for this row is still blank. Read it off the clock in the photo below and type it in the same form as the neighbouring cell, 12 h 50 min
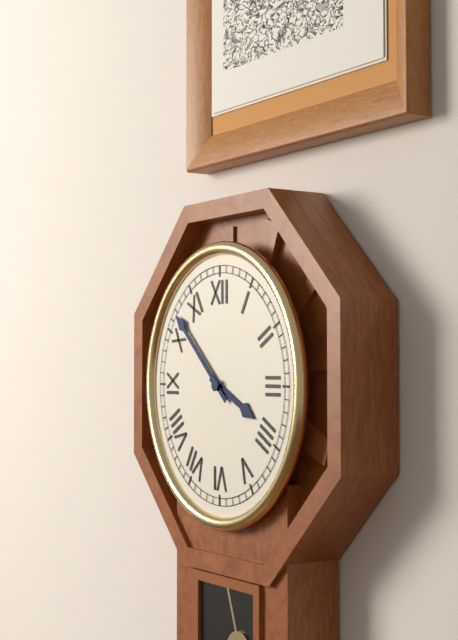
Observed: 3 h 52 min
